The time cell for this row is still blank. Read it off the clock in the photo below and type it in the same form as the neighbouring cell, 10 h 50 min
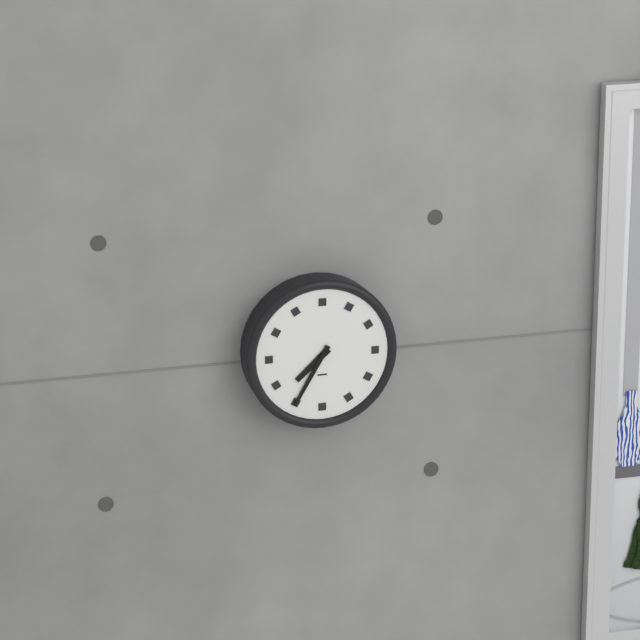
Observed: 7 h 35 min
